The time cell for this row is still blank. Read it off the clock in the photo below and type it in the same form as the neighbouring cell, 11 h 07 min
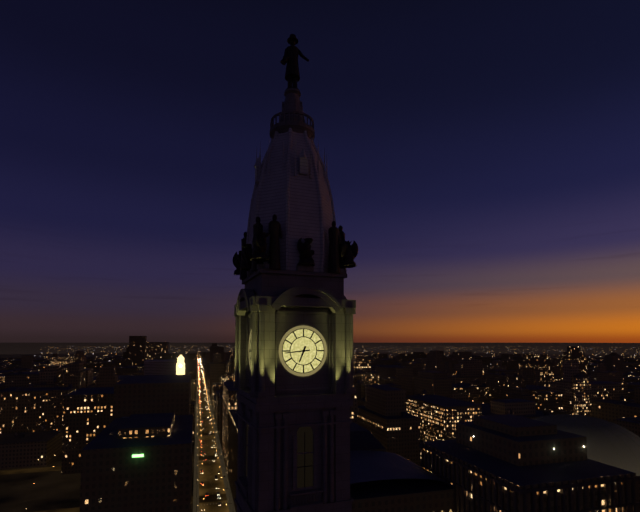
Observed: 6 h 44 min
